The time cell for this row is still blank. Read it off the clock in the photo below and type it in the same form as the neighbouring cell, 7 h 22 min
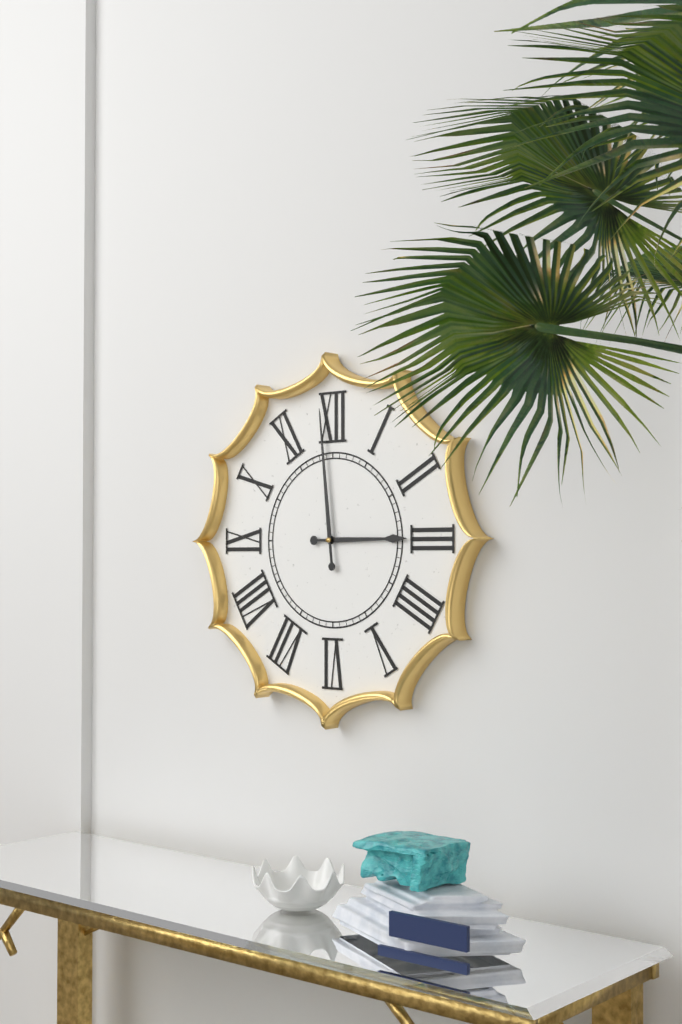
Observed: 2 h 59 min
